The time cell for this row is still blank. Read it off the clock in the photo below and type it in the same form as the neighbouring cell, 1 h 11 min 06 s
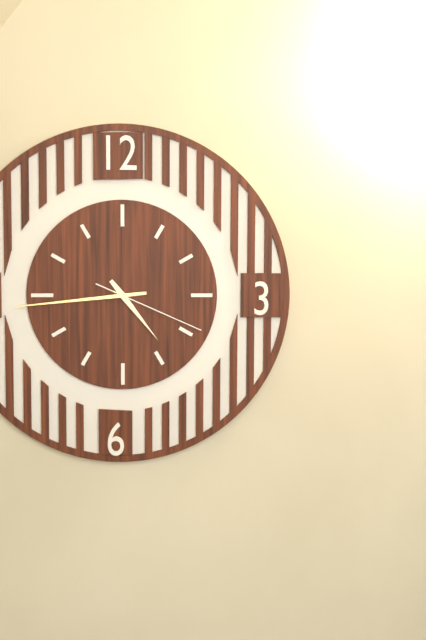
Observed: 4 h 44 min 19 s
